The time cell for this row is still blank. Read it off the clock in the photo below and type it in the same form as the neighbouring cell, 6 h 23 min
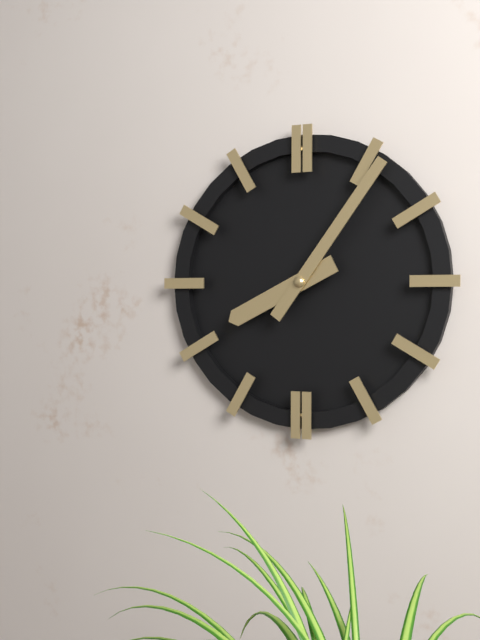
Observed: 8 h 06 min
